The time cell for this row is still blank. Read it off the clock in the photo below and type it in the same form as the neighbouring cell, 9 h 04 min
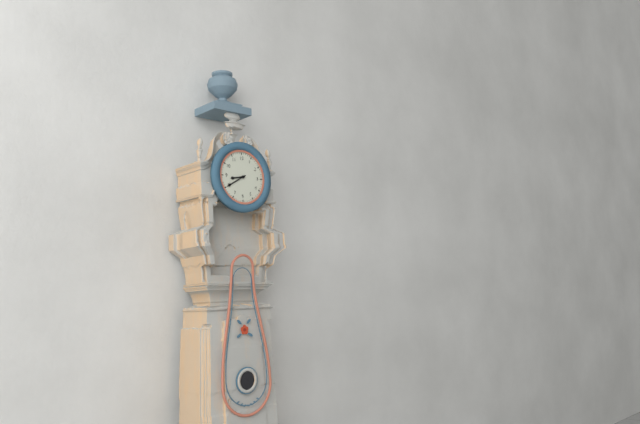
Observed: 8 h 40 min
